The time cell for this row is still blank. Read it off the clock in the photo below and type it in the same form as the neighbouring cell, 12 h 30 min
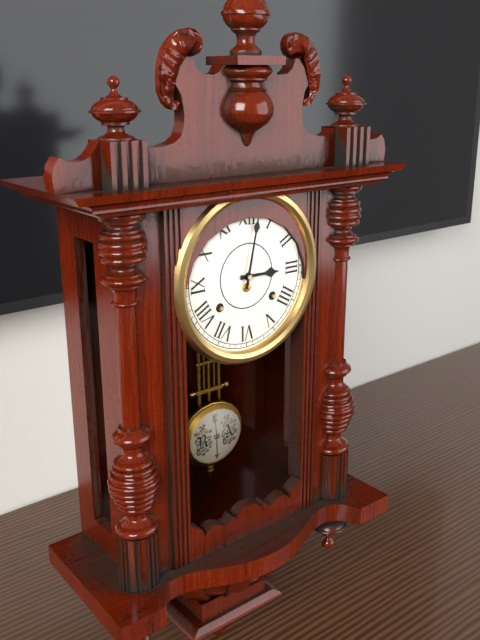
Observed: 3 h 02 min
